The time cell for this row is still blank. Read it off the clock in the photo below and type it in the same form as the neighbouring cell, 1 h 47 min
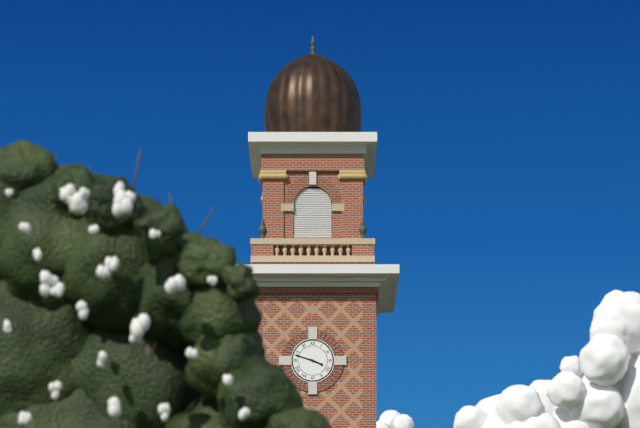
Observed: 3 h 48 min
